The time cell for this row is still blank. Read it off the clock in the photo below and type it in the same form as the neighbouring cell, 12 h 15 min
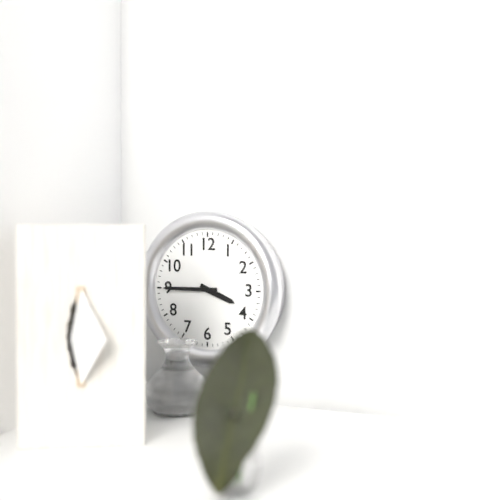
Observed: 3 h 45 min
